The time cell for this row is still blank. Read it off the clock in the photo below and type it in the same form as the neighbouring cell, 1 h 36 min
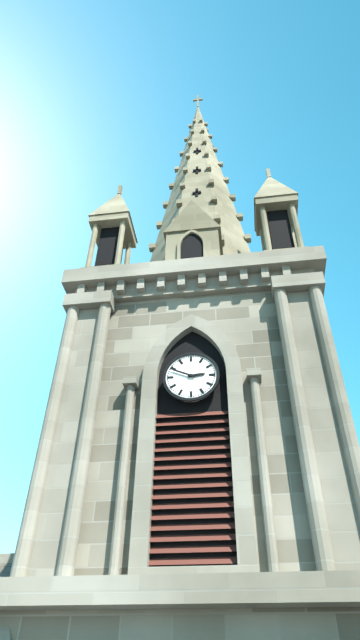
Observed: 2 h 49 min
